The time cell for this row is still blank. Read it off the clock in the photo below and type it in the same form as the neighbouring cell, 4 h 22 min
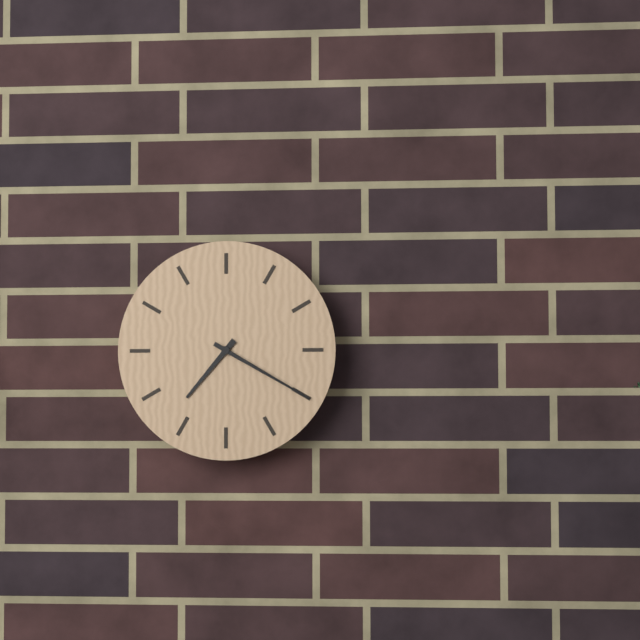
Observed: 7 h 20 min
